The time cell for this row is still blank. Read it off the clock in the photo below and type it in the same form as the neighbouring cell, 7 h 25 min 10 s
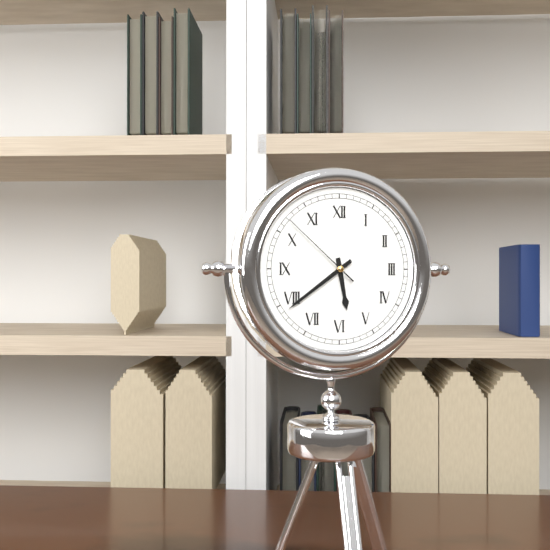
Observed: 5 h 39 min 52 s
